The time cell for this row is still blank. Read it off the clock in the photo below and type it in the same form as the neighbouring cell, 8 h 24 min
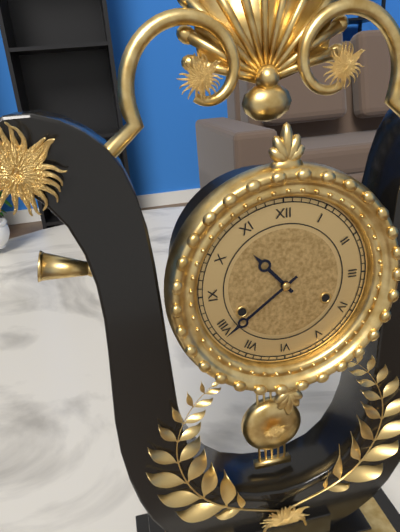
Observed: 10 h 39 min
